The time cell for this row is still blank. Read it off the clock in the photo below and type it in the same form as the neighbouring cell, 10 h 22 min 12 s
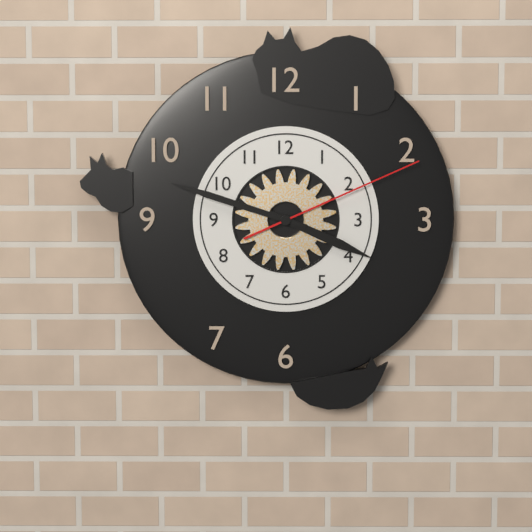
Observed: 3 h 48 min 11 s
